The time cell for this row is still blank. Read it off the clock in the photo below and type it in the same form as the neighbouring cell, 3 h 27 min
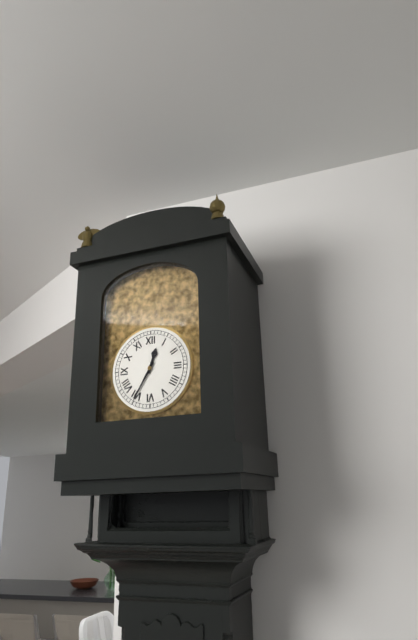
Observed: 12 h 35 min
